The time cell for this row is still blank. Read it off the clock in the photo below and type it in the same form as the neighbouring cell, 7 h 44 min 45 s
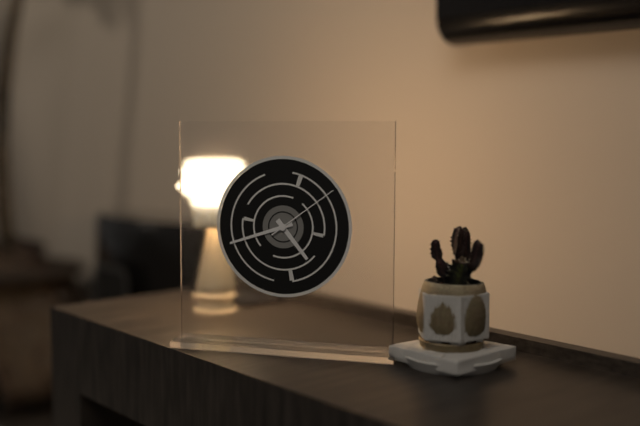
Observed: 4 h 42 min 09 s
